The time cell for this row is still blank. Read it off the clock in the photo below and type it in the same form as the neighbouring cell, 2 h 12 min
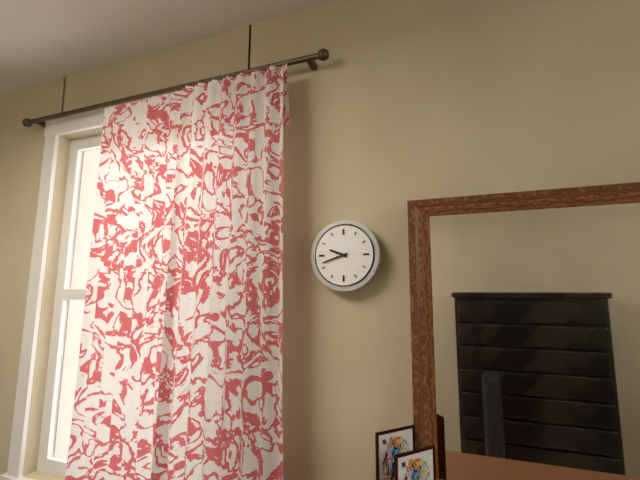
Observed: 9 h 42 min
